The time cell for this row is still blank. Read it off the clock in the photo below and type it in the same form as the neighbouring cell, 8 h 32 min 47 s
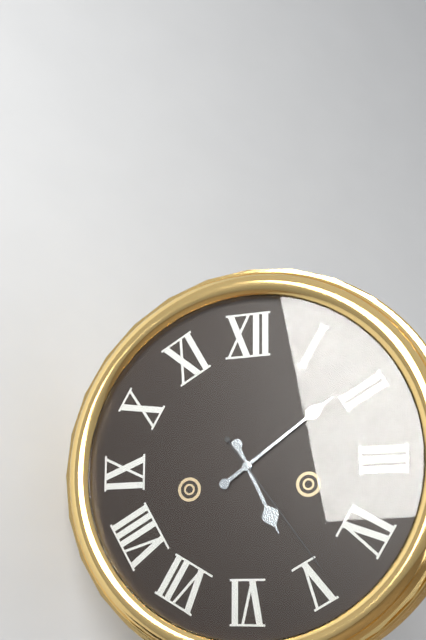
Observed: 5 h 09 min 24 s
